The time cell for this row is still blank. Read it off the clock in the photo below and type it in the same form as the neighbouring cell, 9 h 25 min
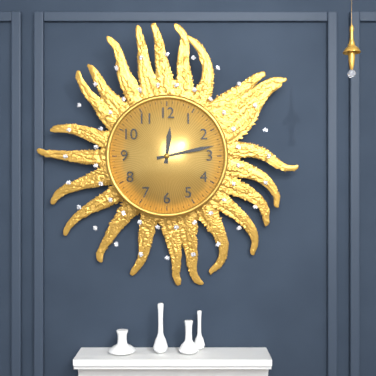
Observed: 12 h 13 min
